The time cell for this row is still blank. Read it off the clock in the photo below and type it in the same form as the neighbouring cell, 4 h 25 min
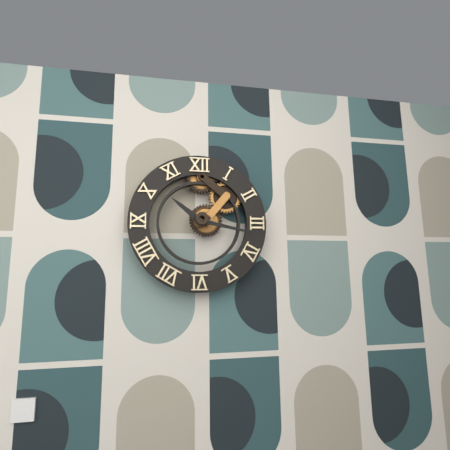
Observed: 10 h 17 min
